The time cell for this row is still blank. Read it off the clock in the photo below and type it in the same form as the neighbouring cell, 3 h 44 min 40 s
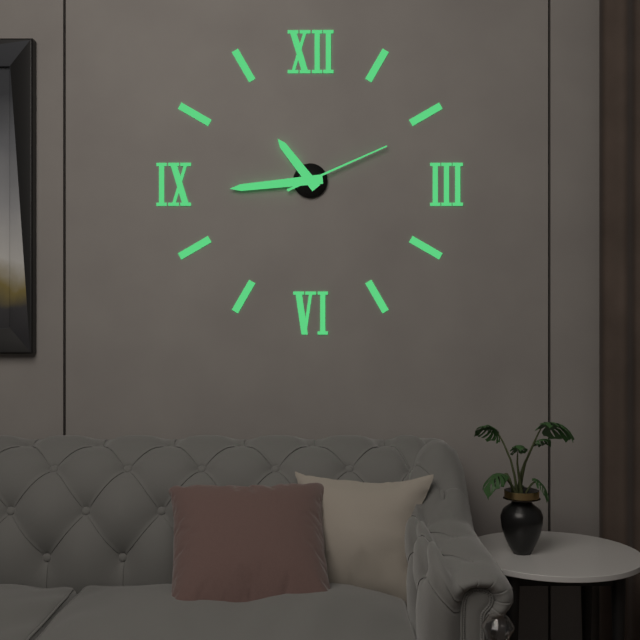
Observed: 10 h 44 min 11 s
